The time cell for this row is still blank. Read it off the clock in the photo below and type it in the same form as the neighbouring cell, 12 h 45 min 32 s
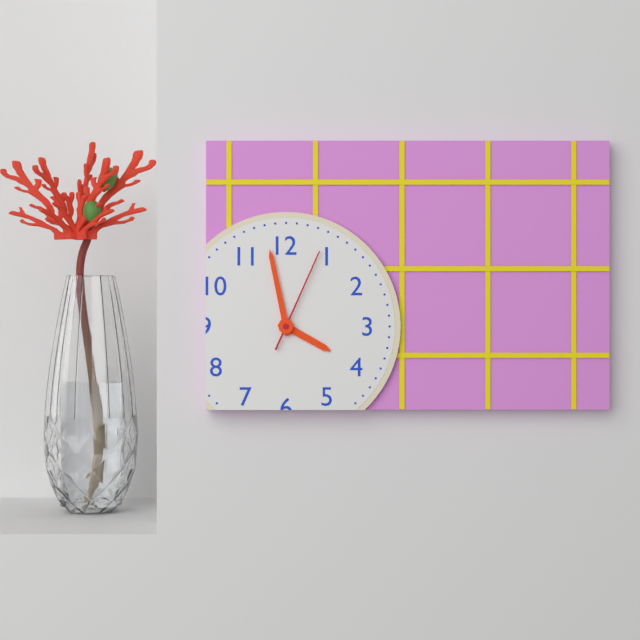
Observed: 3 h 58 min 04 s
